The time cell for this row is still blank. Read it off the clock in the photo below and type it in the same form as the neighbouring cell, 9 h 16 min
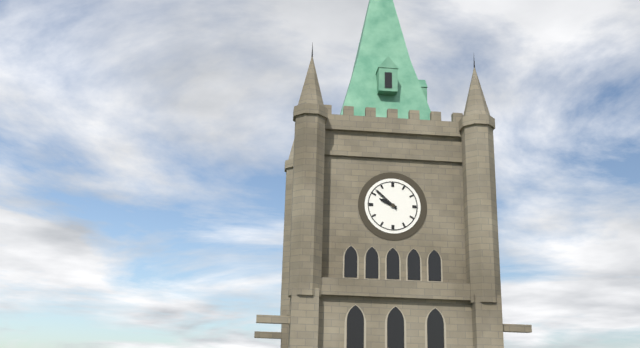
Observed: 9 h 52 min
